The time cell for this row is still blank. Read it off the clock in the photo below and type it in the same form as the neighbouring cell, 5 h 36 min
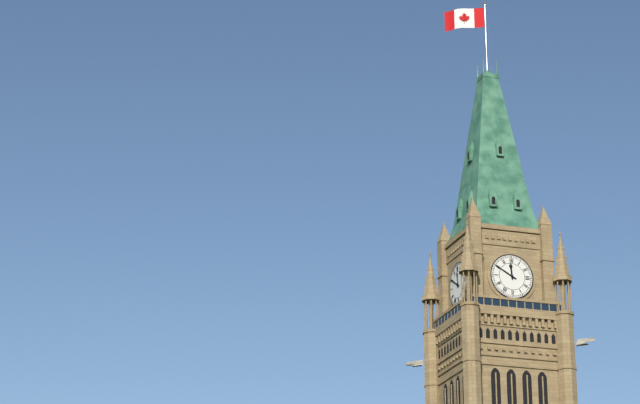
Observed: 11 h 50 min
